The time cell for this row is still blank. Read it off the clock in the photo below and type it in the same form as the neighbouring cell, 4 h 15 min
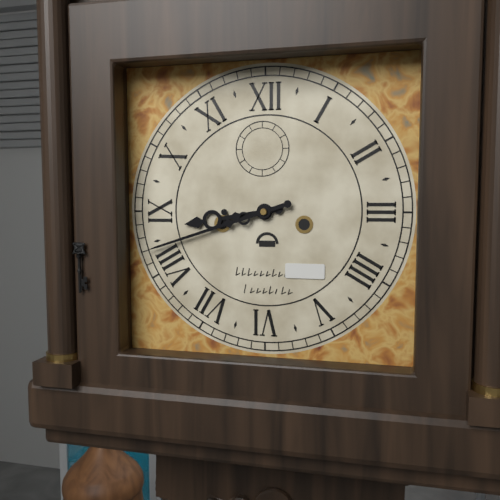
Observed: 8 h 42 min
